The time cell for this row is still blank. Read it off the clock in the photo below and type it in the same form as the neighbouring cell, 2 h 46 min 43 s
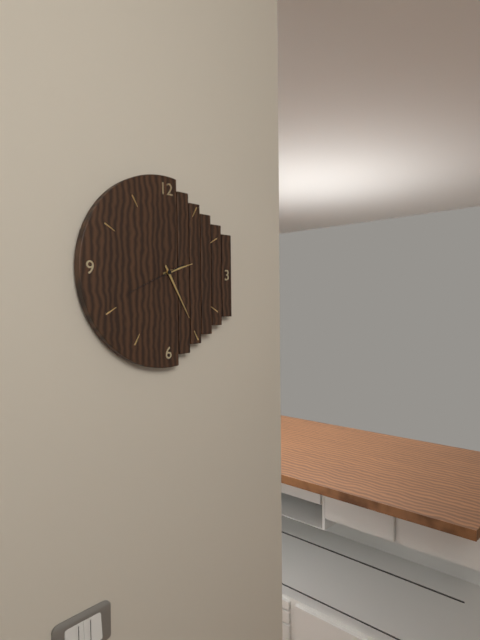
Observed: 2 h 25 min 41 s
